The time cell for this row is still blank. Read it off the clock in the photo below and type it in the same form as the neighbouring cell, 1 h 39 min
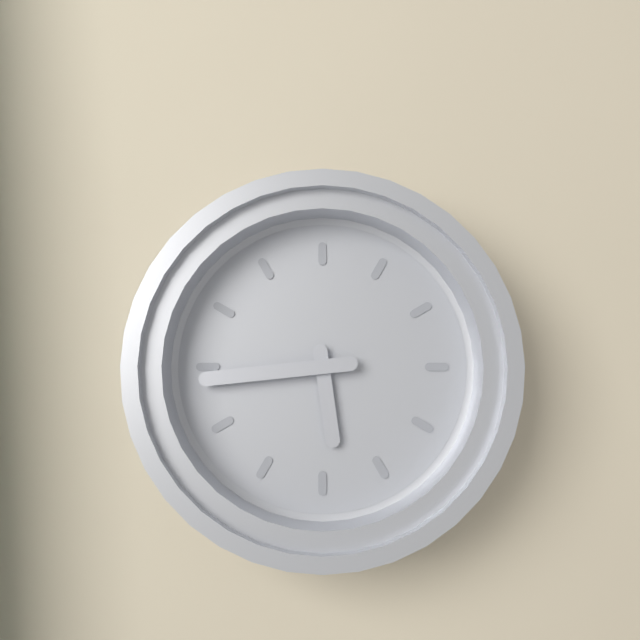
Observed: 5 h 44 min
